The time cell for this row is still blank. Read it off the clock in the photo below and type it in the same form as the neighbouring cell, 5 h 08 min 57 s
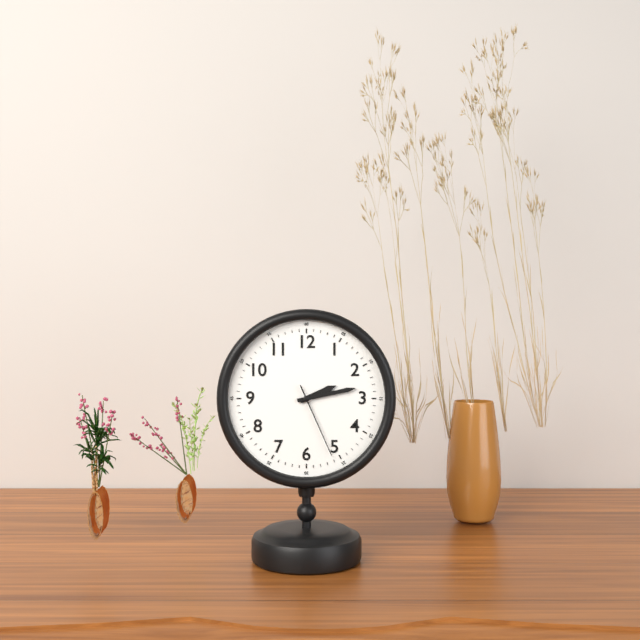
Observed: 2 h 13 min 26 s
